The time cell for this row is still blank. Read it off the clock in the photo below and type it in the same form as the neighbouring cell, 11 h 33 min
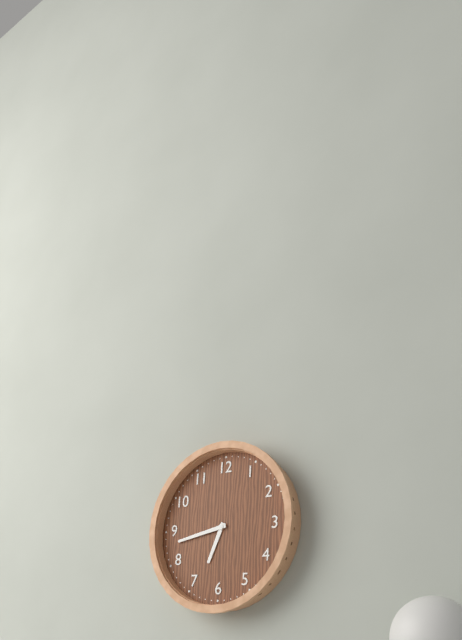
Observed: 6 h 43 min
